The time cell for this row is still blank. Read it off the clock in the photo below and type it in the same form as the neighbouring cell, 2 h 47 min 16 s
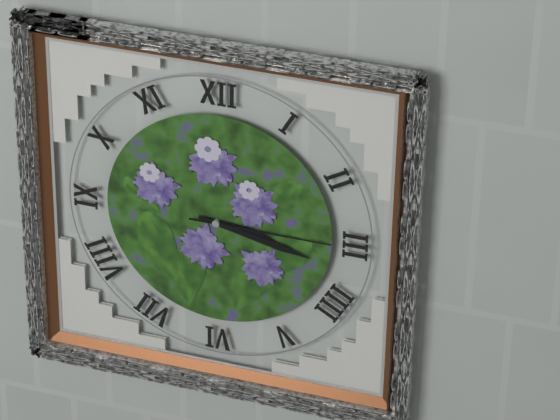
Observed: 3 h 17 min 15 s
